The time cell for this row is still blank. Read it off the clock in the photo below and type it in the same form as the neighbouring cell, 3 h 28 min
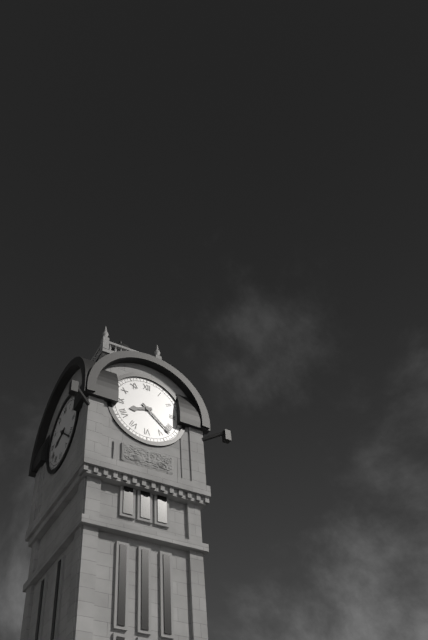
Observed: 8 h 22 min
